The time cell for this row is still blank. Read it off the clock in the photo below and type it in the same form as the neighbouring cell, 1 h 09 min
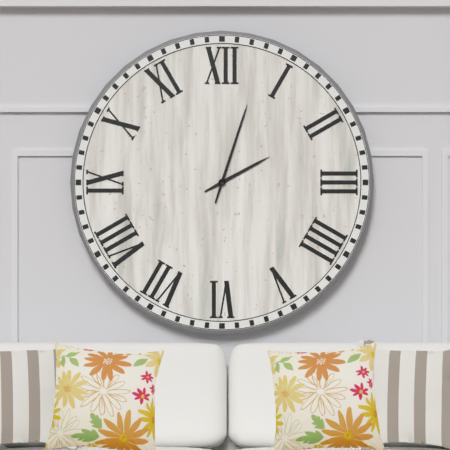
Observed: 2 h 03 min
